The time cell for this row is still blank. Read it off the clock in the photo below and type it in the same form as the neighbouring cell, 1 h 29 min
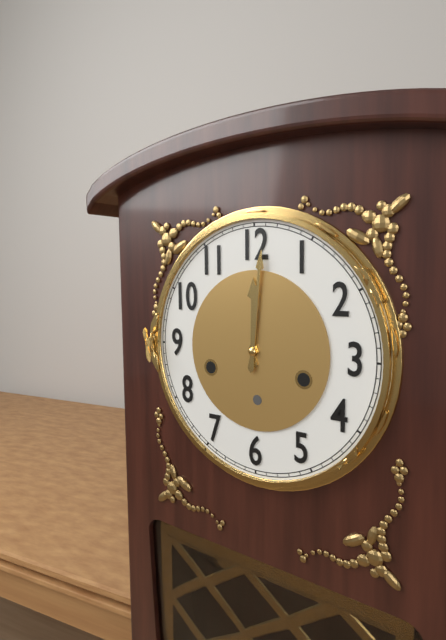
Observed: 12 h 01 min
